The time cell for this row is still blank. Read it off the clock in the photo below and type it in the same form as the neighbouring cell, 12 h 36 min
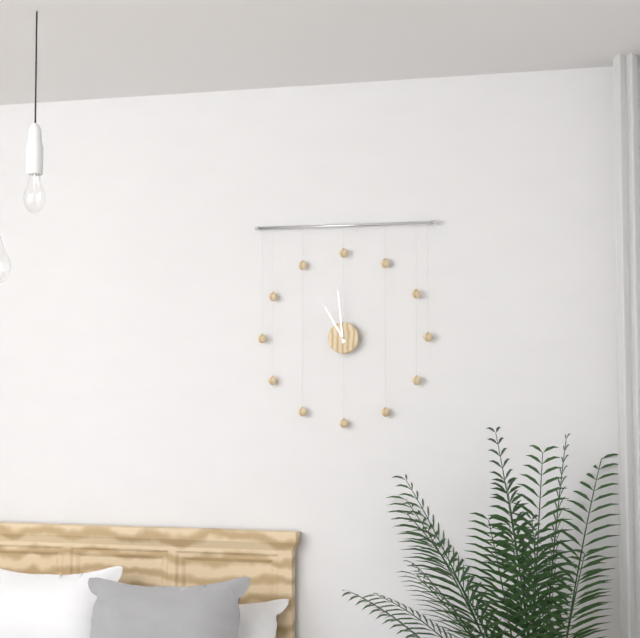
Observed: 10 h 59 min
